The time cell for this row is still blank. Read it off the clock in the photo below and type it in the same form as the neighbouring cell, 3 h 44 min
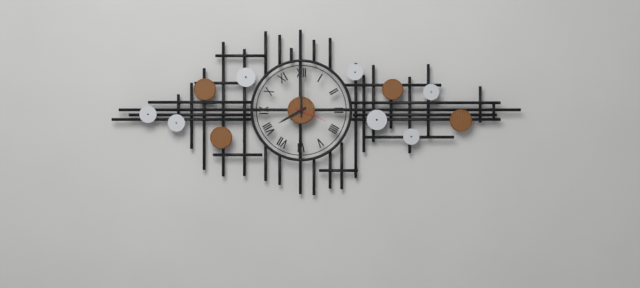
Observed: 8 h 00 min
